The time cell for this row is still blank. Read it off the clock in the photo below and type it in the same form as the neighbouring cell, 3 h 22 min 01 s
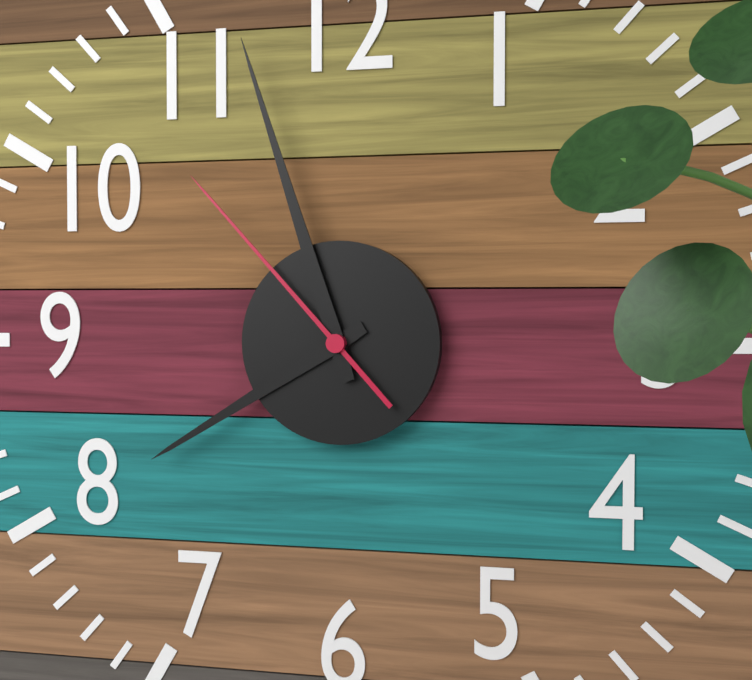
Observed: 7 h 57 min 53 s
